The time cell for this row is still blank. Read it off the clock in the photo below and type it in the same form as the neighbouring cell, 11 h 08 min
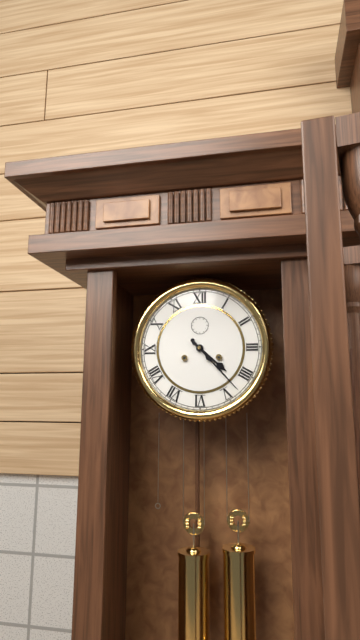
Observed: 4 h 23 min
